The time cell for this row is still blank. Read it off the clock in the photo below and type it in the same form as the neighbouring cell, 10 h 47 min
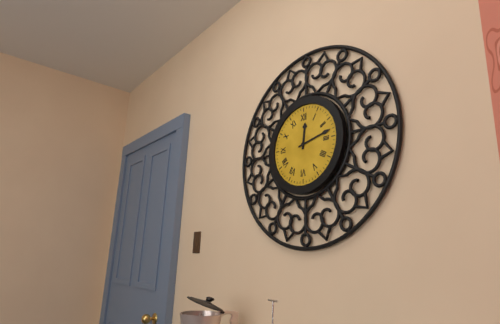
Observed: 12 h 13 min
